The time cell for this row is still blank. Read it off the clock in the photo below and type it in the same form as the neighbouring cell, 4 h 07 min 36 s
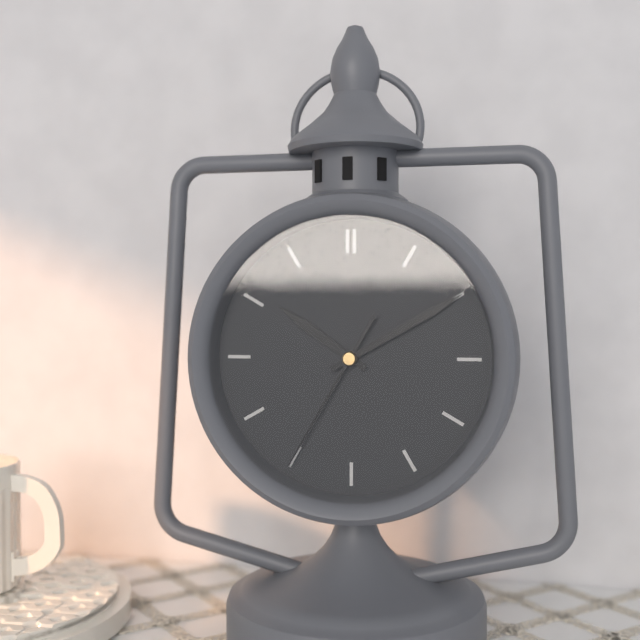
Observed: 10 h 10 min 35 s
